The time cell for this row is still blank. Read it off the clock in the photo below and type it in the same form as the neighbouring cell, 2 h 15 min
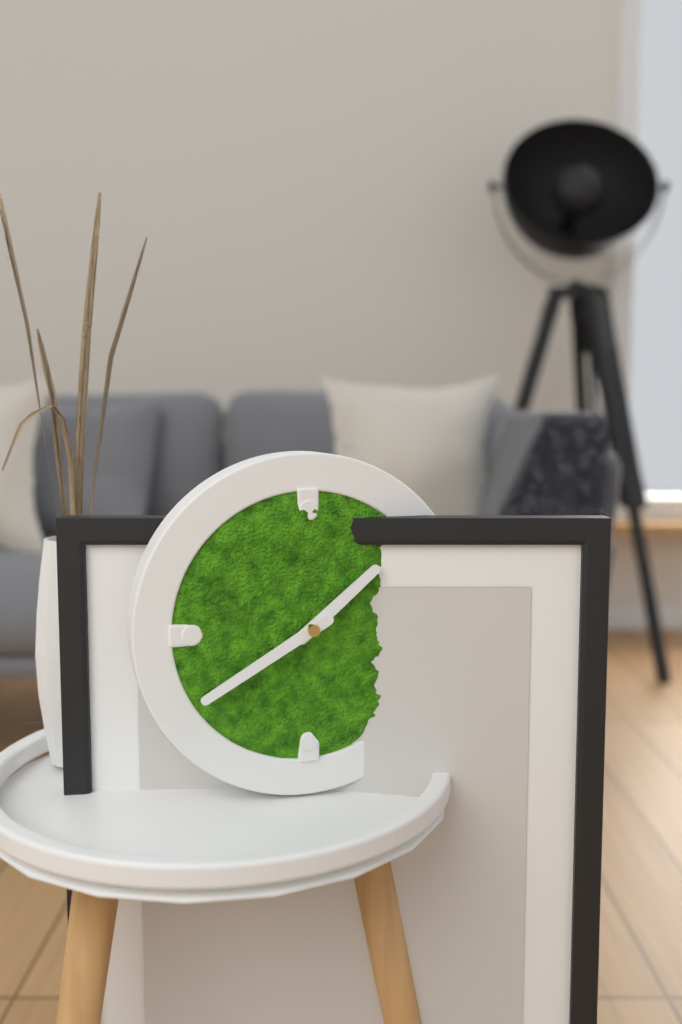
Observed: 1 h 40 min
